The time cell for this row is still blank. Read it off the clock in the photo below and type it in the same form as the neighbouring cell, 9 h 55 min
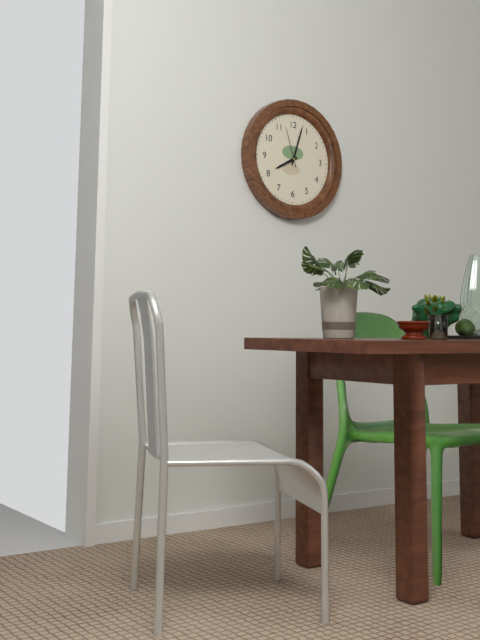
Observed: 8 h 03 min
